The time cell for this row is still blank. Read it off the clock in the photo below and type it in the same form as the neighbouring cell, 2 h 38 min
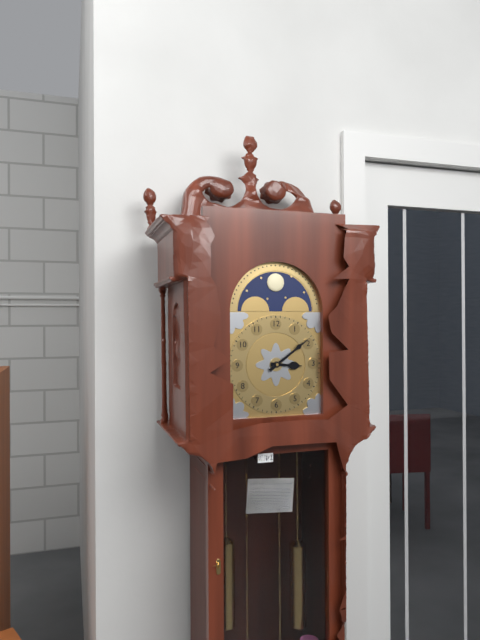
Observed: 3 h 09 min
